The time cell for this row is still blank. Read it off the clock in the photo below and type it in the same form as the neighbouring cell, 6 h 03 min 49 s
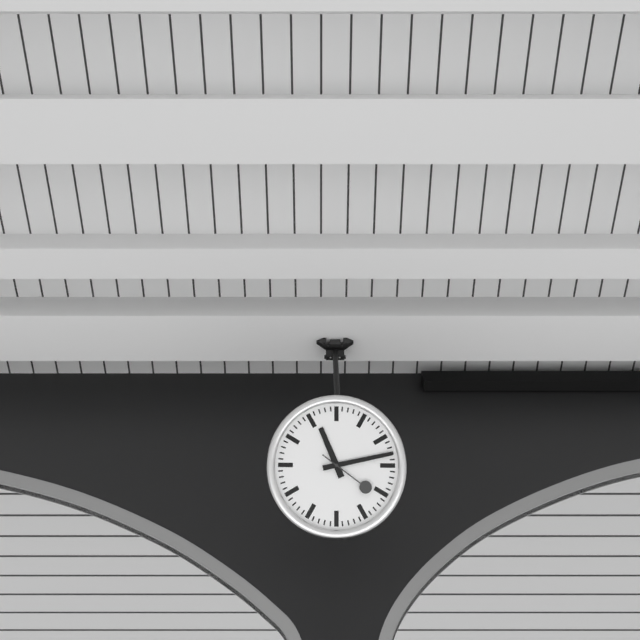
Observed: 11 h 13 min 21 s
